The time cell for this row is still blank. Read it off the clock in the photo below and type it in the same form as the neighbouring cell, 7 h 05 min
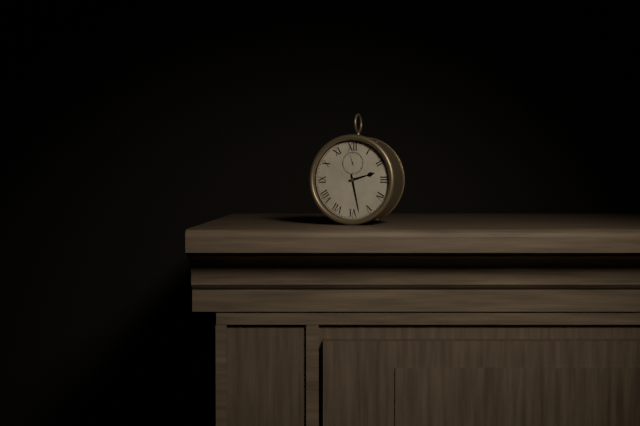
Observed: 2 h 28 min
